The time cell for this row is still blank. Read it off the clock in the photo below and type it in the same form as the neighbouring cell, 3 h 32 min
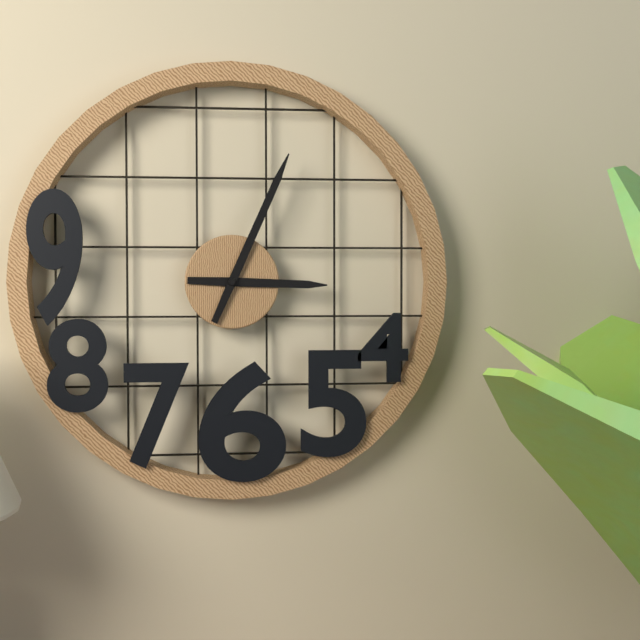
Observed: 3 h 04 min
